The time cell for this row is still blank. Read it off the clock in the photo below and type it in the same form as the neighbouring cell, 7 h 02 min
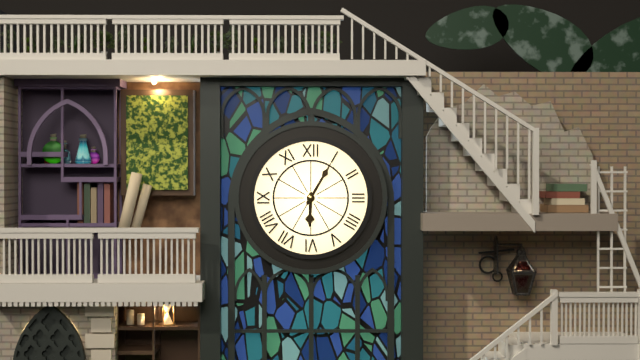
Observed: 6 h 05 min
